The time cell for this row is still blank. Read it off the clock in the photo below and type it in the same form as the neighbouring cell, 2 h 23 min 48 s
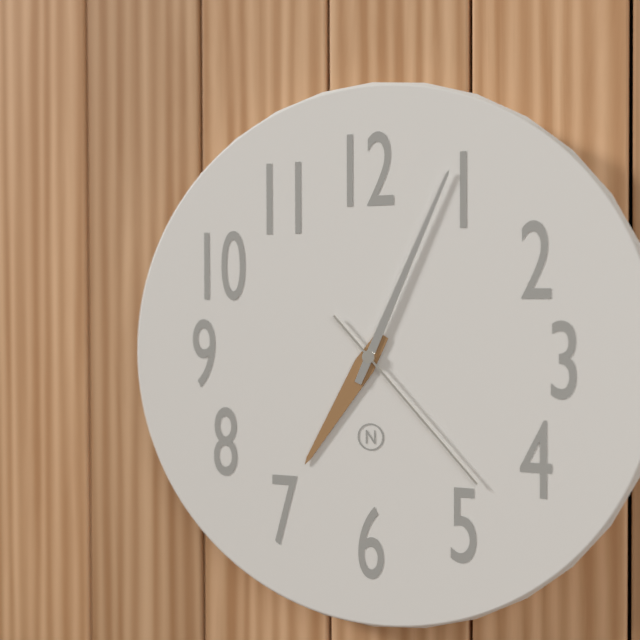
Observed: 7 h 04 min 23 s
